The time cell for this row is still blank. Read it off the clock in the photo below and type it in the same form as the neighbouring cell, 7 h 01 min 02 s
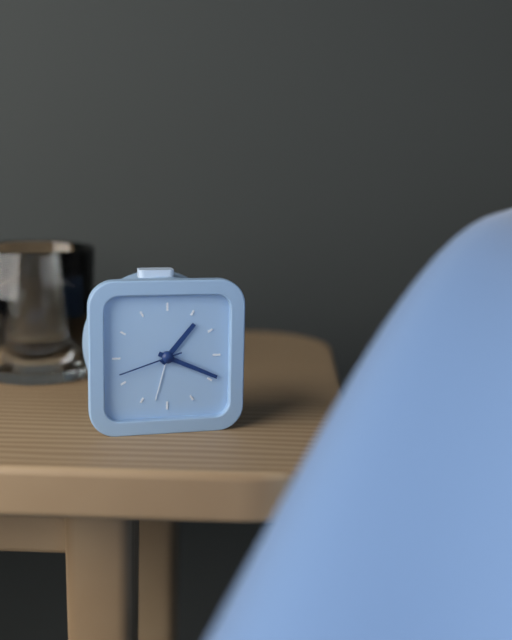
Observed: 1 h 19 min 42 s
